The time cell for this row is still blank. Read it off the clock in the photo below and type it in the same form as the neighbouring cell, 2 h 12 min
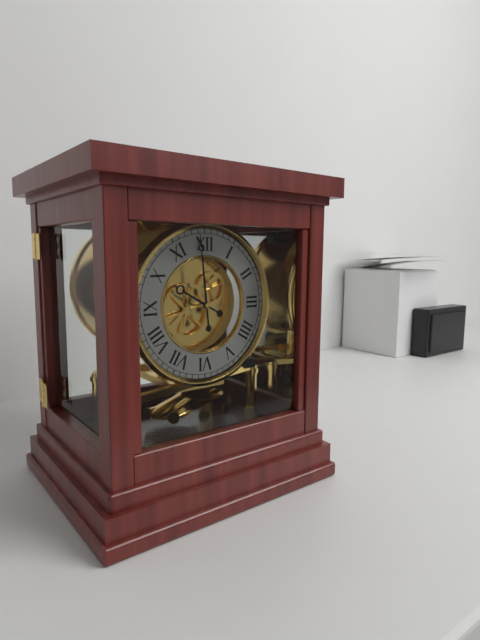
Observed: 9 h 59 min
